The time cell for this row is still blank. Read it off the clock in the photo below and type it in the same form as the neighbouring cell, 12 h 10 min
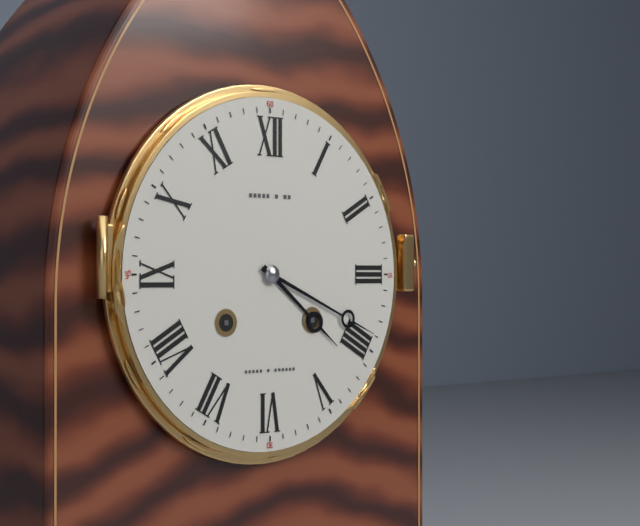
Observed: 4 h 19 min
